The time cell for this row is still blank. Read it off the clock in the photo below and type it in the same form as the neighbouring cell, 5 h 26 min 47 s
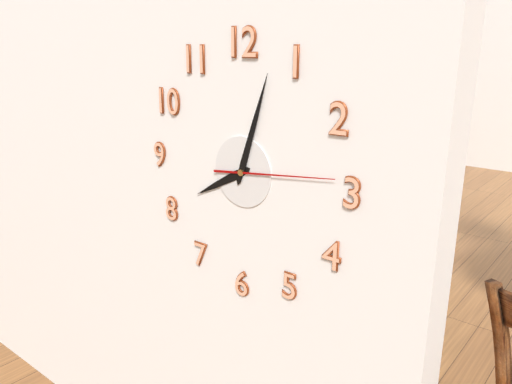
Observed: 8 h 03 min 14 s
